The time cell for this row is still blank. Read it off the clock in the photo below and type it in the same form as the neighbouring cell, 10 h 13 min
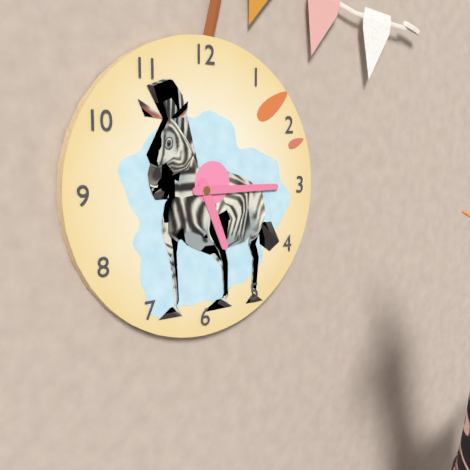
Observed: 5 h 15 min
